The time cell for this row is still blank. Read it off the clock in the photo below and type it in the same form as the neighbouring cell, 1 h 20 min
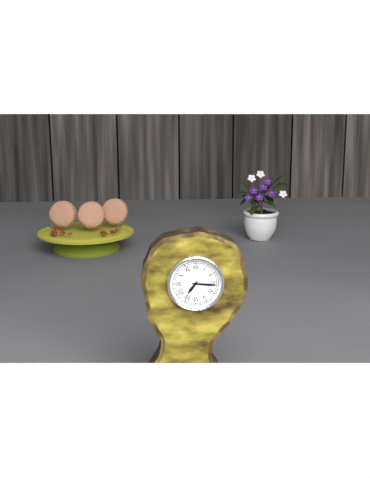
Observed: 7 h 16 min
